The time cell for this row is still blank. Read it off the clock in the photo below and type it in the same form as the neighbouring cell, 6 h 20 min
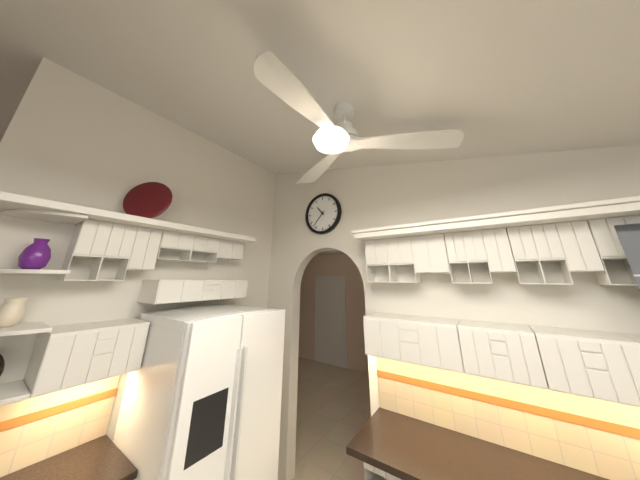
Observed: 10 h 37 min
